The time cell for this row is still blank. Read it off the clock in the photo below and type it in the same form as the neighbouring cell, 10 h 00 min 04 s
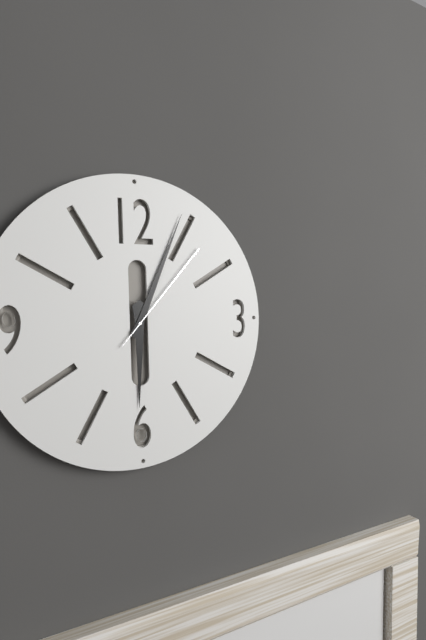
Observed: 6 h 04 min 07 s
